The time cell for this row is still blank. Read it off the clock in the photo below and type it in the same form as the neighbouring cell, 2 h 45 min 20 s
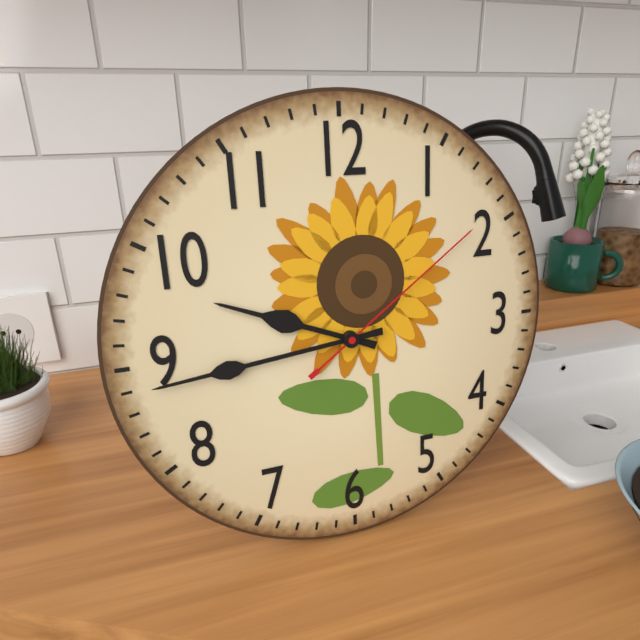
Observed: 9 h 44 min 09 s
